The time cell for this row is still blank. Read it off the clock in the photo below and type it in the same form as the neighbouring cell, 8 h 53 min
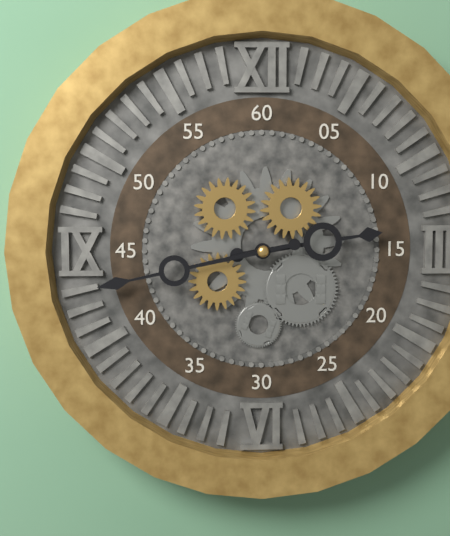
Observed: 2 h 43 min
